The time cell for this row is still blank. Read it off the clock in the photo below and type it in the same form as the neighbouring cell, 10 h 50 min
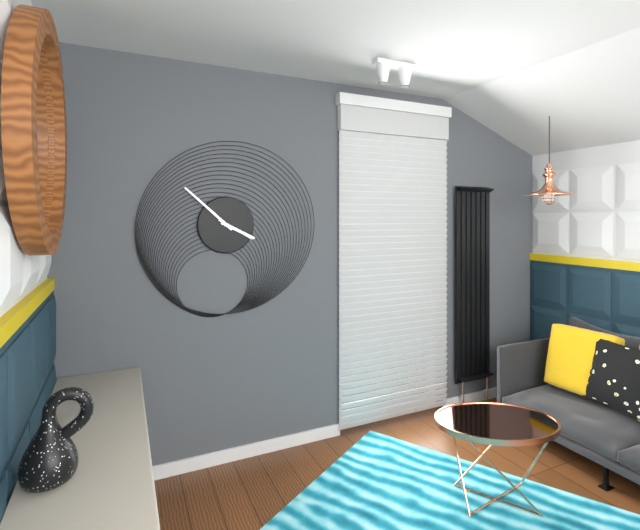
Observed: 3 h 52 min
